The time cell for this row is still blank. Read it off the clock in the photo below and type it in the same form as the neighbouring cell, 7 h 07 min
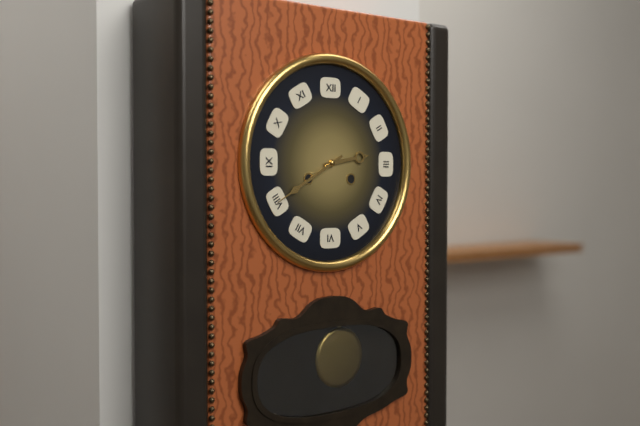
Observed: 2 h 40 min
